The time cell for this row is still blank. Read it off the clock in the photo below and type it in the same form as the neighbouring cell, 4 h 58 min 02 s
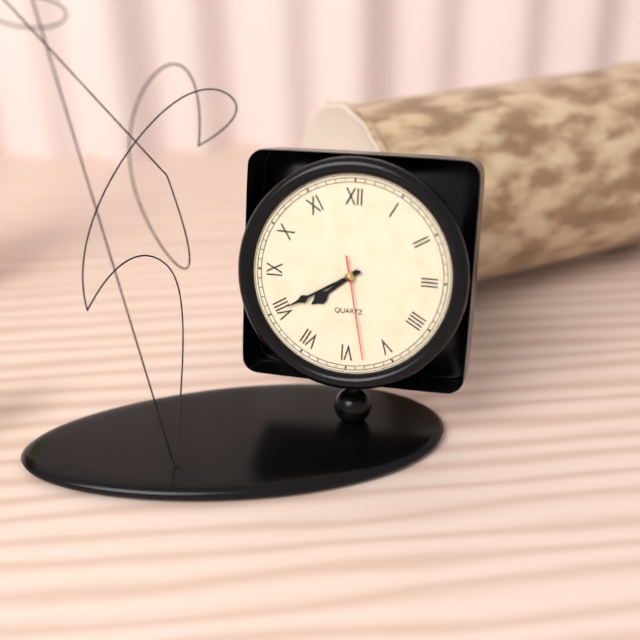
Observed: 7 h 40 min 28 s
